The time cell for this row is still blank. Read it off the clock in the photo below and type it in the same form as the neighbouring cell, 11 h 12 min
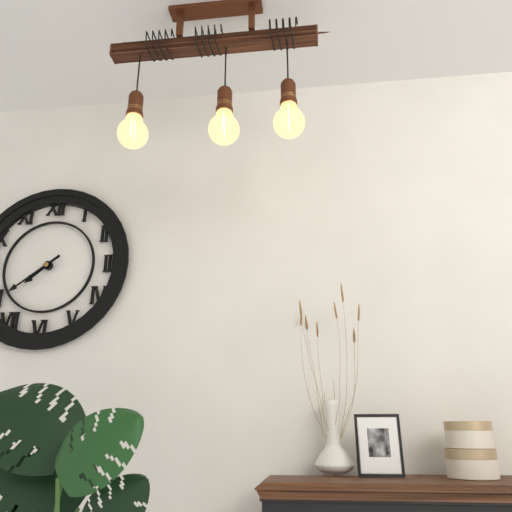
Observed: 7 h 39 min
